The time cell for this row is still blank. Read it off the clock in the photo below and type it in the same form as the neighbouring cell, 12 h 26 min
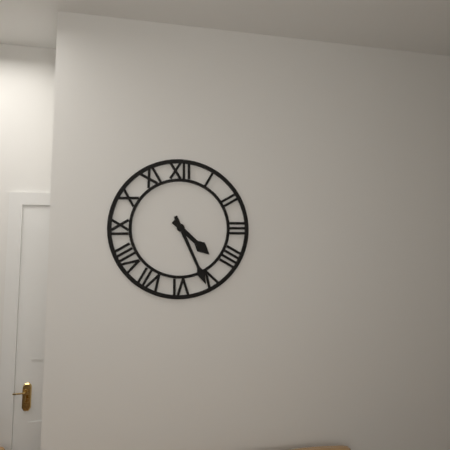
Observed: 4 h 26 min
